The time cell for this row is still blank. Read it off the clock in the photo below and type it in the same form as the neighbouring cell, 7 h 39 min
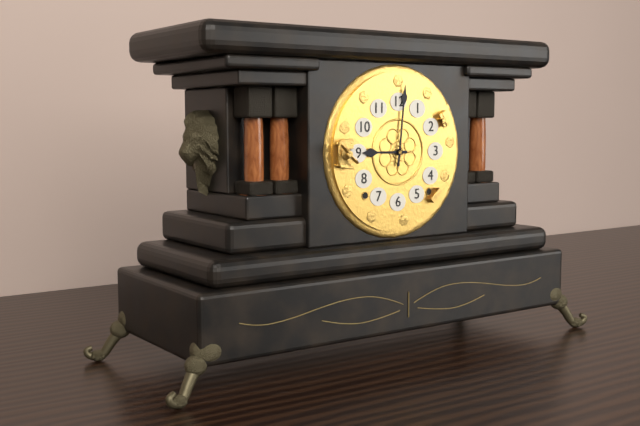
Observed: 9 h 01 min
